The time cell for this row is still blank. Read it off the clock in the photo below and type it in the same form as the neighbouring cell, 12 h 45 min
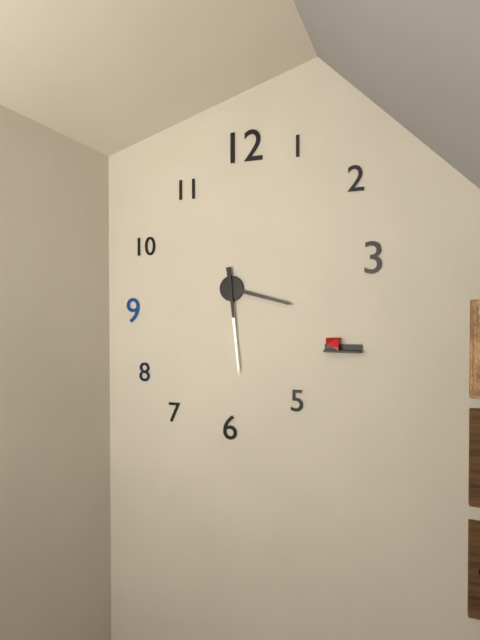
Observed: 3 h 29 min
